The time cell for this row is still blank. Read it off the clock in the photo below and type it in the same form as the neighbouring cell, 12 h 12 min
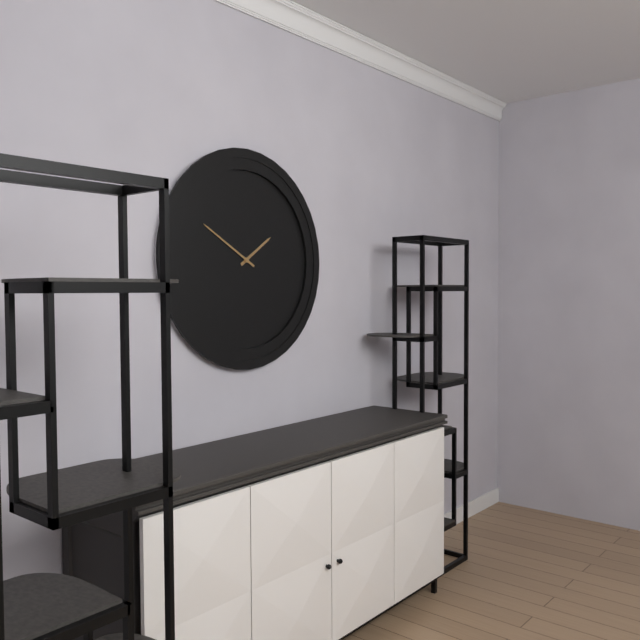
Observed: 1 h 50 min
